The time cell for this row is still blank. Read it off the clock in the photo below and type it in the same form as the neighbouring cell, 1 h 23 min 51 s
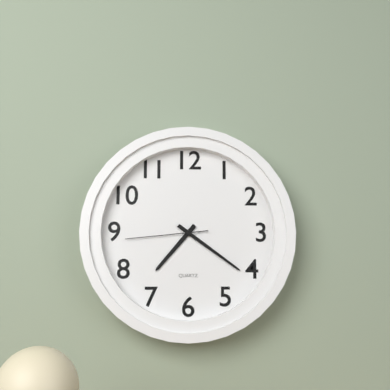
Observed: 7 h 21 min 44 s
